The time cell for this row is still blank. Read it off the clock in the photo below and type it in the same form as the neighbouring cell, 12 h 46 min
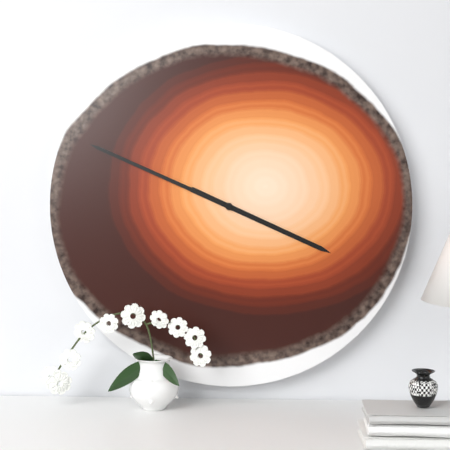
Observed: 3 h 49 min
